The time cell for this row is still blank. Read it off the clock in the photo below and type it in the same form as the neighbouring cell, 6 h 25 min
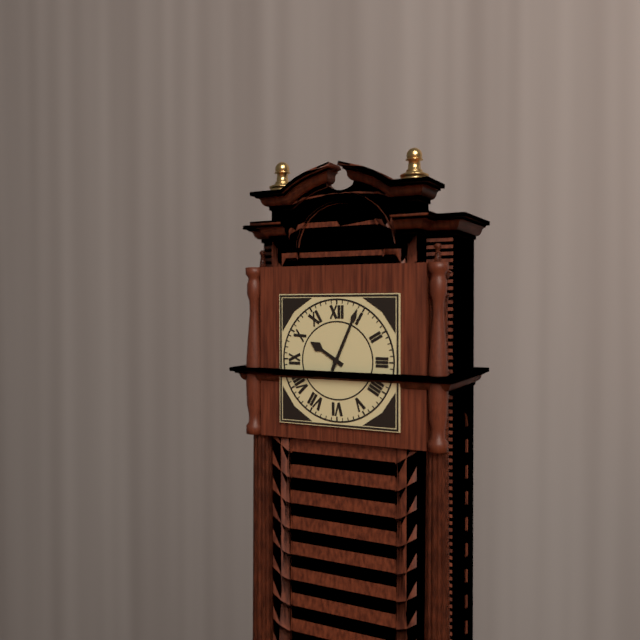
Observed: 10 h 04 min
